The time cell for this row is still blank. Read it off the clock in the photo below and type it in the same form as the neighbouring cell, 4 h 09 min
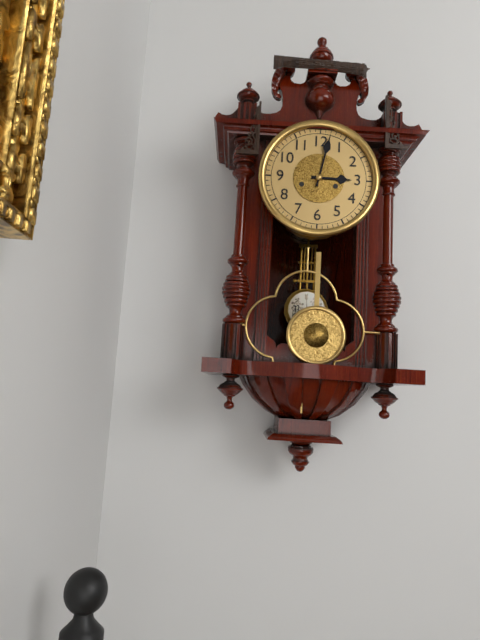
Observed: 3 h 02 min
